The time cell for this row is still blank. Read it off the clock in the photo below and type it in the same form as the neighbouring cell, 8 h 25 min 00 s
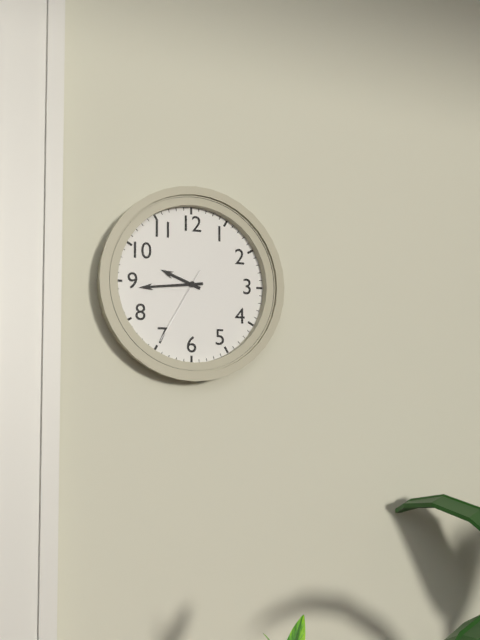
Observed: 9 h 44 min 35 s
